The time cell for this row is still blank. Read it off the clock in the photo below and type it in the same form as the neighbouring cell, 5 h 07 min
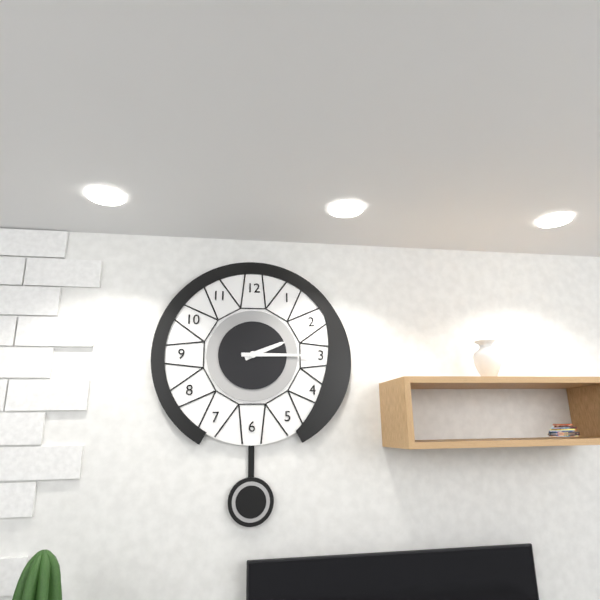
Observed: 2 h 15 min
